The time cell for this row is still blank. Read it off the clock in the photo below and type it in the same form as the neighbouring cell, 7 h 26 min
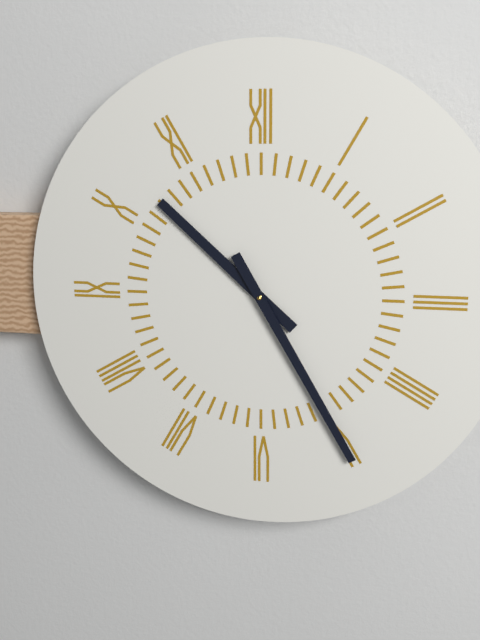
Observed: 10 h 25 min
